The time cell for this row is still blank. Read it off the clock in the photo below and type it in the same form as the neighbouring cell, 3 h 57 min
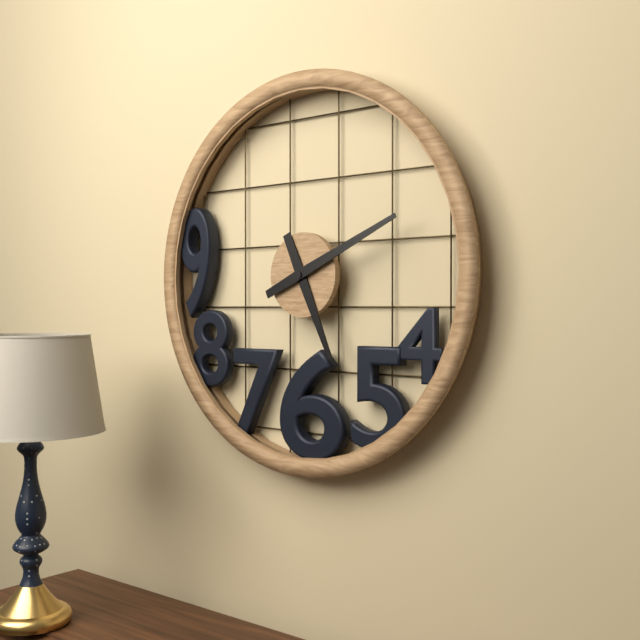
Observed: 5 h 11 min
